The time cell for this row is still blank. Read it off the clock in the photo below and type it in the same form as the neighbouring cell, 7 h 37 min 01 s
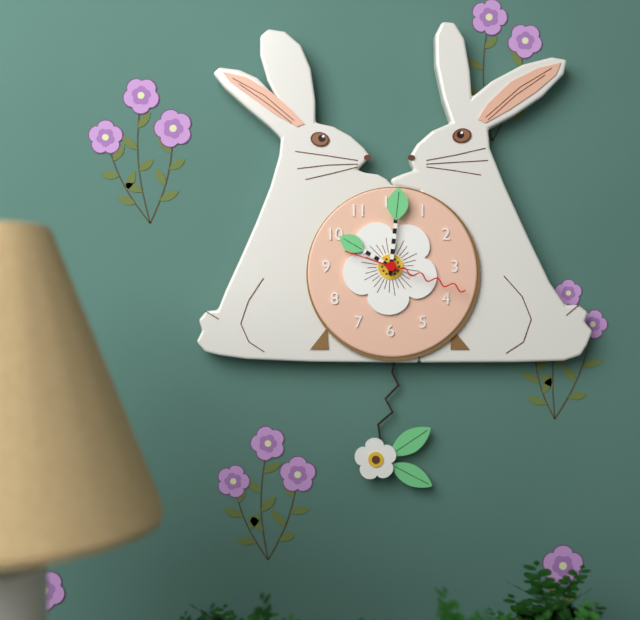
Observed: 10 h 01 min 18 s
